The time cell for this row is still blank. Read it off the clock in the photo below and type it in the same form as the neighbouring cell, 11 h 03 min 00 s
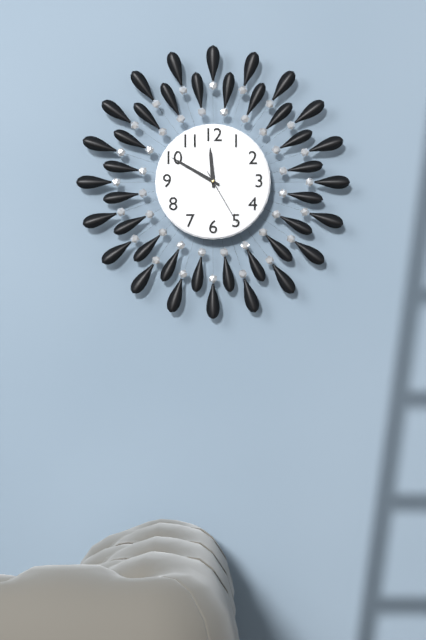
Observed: 11 h 50 min 25 s
